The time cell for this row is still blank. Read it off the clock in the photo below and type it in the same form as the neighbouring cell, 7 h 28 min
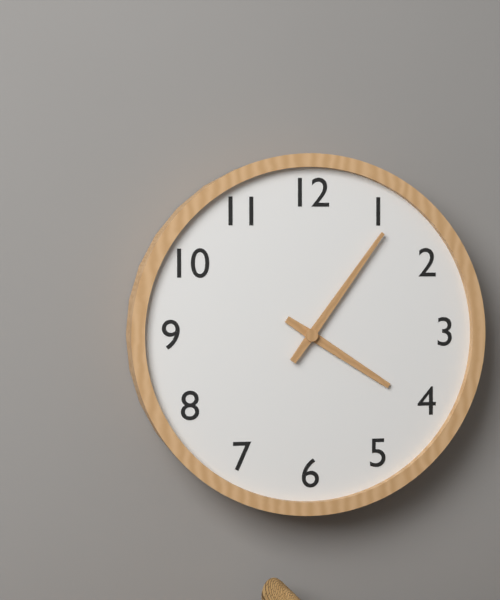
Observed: 4 h 06 min
